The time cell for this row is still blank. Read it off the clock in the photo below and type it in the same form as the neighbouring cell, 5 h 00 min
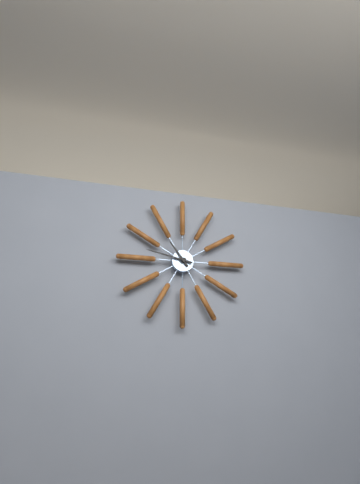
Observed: 10 h 47 min
